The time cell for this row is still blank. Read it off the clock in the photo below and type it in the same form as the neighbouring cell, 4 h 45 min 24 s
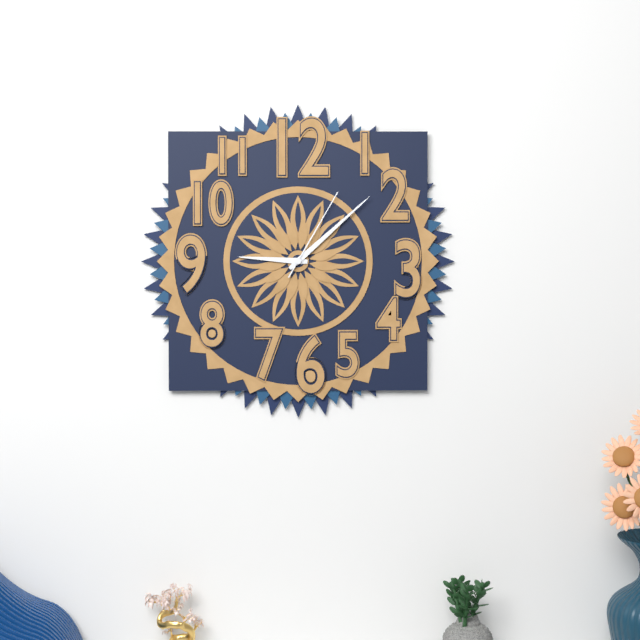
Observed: 9 h 08 min 05 s
